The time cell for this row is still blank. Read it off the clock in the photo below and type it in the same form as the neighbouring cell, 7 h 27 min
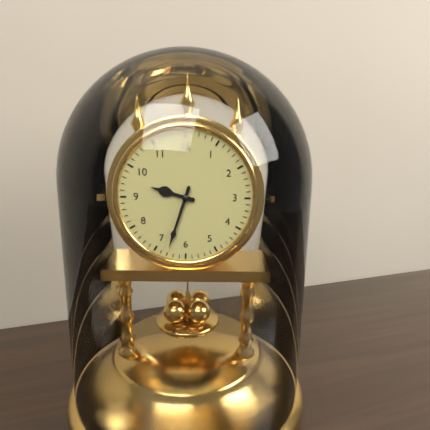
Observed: 9 h 33 min
